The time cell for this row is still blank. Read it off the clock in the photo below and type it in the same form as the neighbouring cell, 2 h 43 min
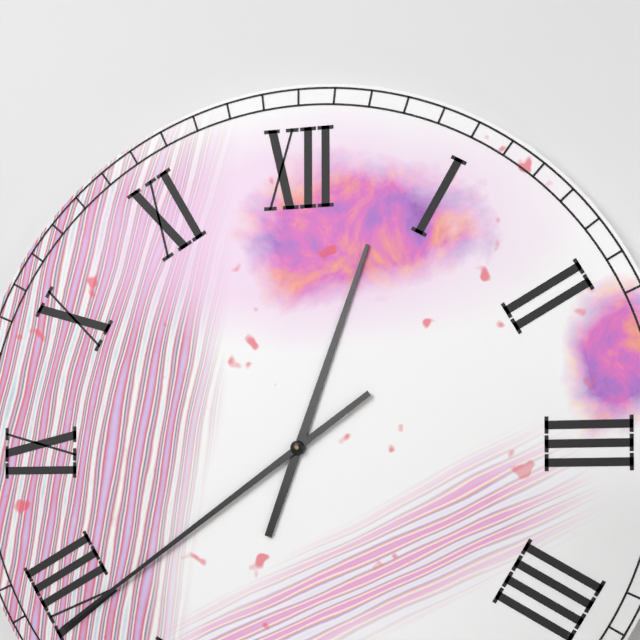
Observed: 12 h 39 min
